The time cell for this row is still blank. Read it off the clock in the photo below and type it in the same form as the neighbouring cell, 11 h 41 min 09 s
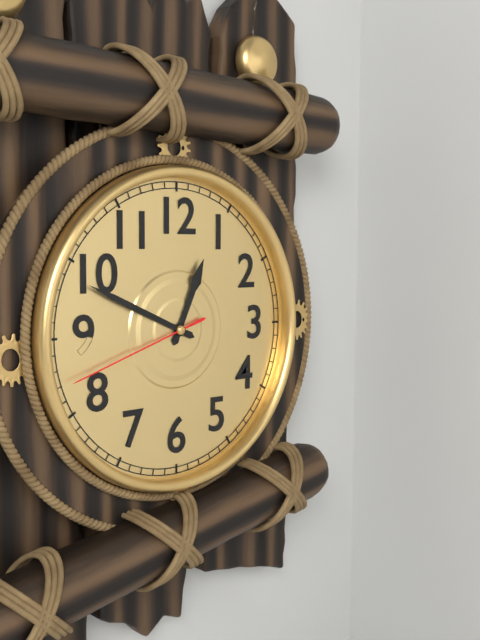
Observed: 12 h 49 min 42 s
